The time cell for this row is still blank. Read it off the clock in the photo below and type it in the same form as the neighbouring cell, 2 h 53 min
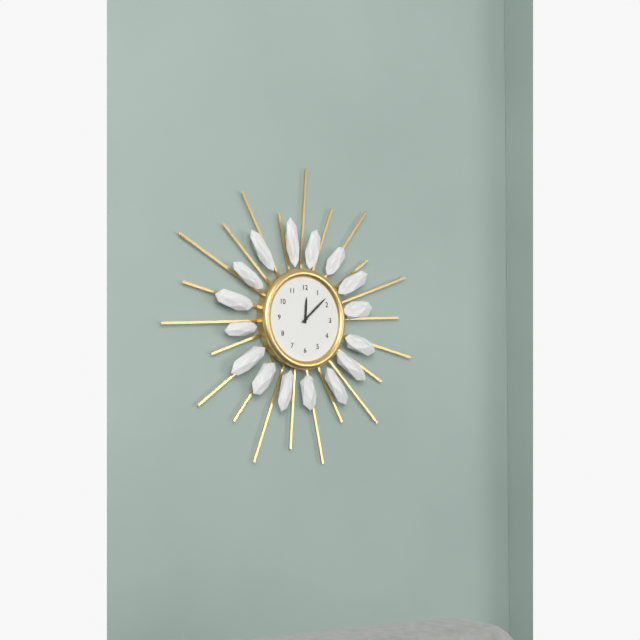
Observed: 12 h 08 min
